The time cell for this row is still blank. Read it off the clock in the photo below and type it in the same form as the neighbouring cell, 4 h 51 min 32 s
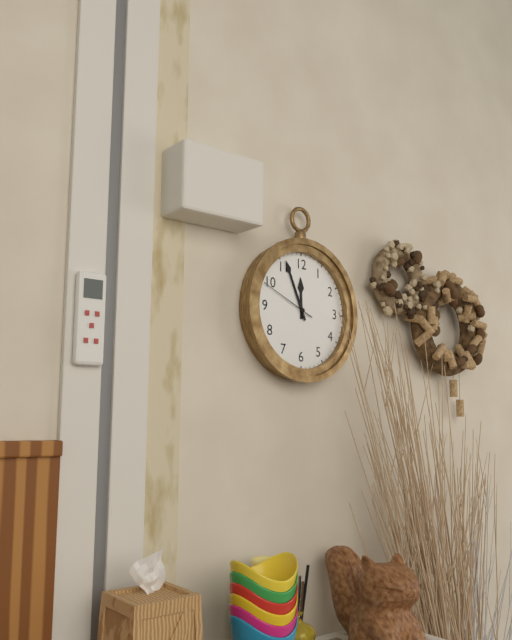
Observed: 11 h 56 min 49 s
